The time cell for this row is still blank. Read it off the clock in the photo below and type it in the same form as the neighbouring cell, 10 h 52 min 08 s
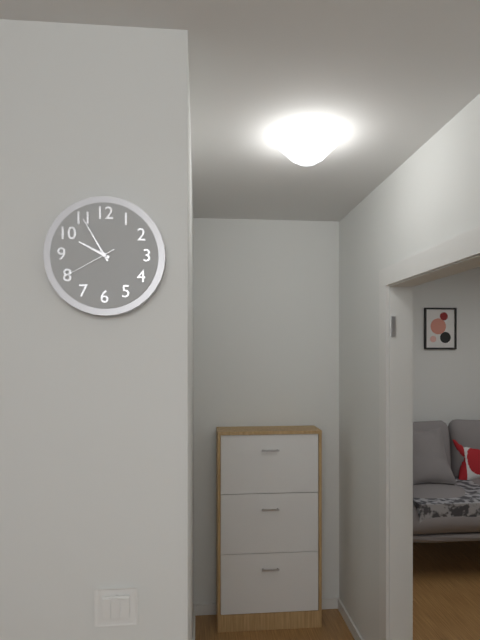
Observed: 9 h 55 min 40 s
